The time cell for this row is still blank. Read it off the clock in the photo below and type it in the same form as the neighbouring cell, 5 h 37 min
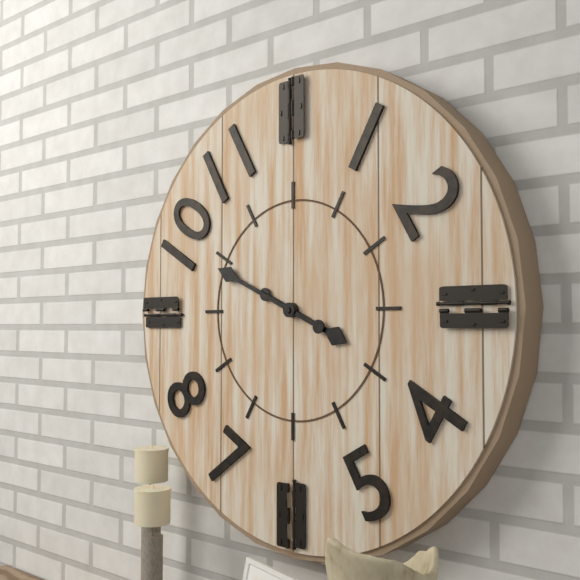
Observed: 3 h 49 min
